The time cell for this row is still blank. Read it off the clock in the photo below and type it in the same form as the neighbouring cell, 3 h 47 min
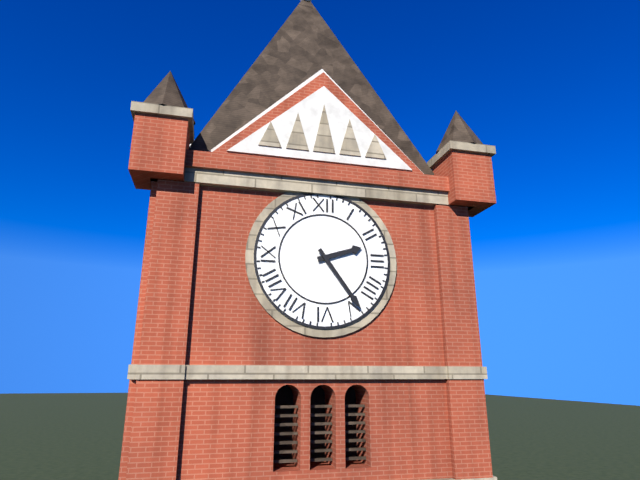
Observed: 2 h 24 min
